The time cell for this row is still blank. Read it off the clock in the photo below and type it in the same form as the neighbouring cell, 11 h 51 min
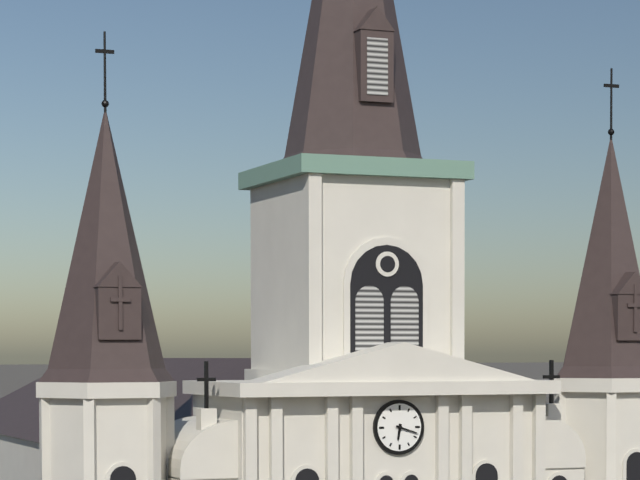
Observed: 6 h 18 min
